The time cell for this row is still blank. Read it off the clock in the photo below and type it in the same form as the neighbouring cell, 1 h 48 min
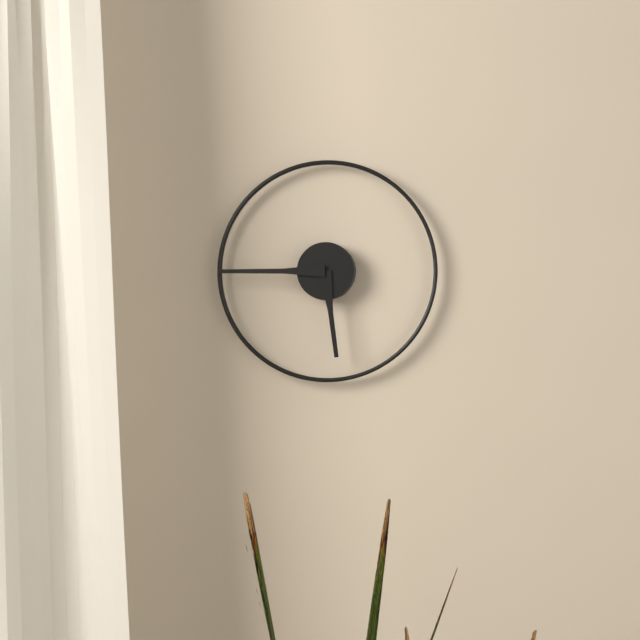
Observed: 5 h 45 min
